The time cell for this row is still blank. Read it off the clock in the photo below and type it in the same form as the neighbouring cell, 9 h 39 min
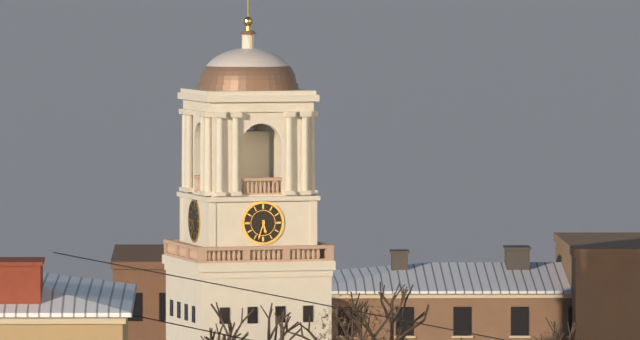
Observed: 5 h 33 min
